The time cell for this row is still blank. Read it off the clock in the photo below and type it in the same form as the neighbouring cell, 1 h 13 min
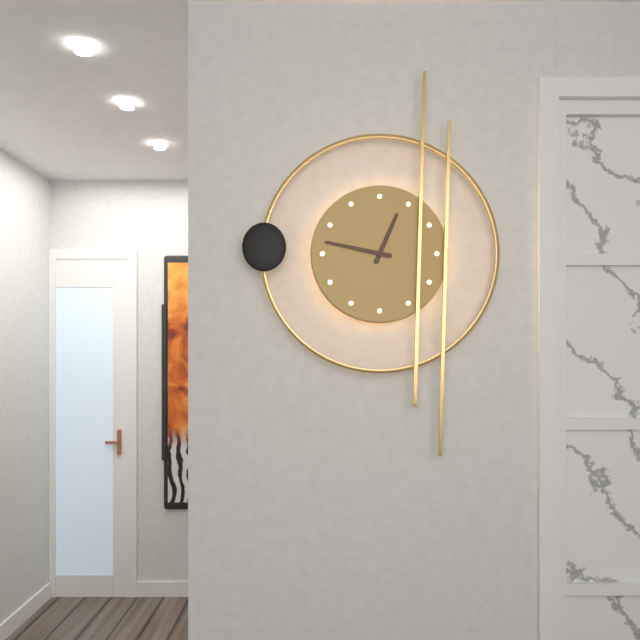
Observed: 12 h 47 min
